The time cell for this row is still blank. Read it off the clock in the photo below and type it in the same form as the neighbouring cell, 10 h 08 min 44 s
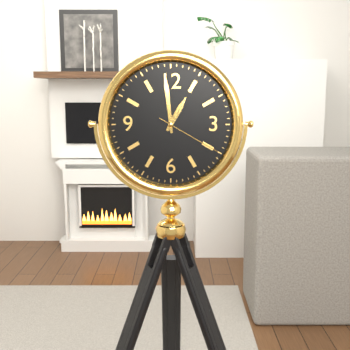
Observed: 12 h 59 min 20 s
